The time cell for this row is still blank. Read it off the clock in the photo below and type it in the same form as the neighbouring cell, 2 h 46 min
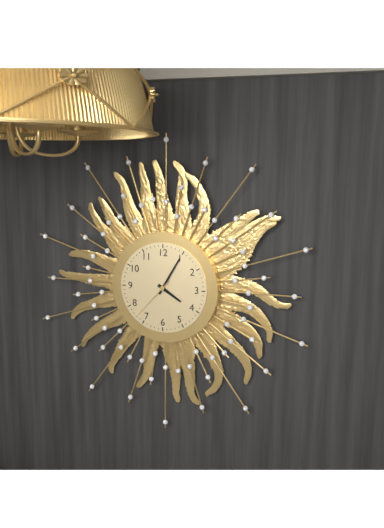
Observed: 4 h 05 min
